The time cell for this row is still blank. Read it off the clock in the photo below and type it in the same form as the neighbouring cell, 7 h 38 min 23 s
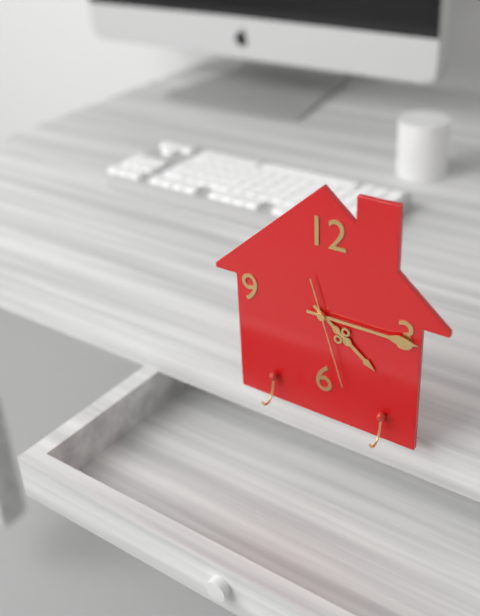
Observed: 4 h 15 min 27 s
